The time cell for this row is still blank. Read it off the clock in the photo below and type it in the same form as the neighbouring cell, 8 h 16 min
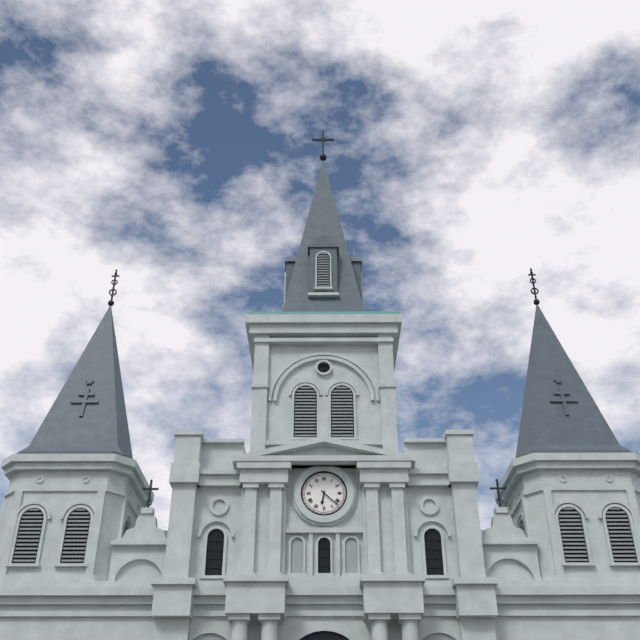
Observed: 6 h 22 min
